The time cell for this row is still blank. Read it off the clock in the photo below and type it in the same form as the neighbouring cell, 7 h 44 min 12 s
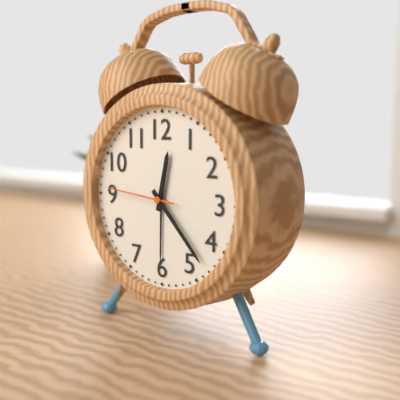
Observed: 12 h 23 min 46 s
